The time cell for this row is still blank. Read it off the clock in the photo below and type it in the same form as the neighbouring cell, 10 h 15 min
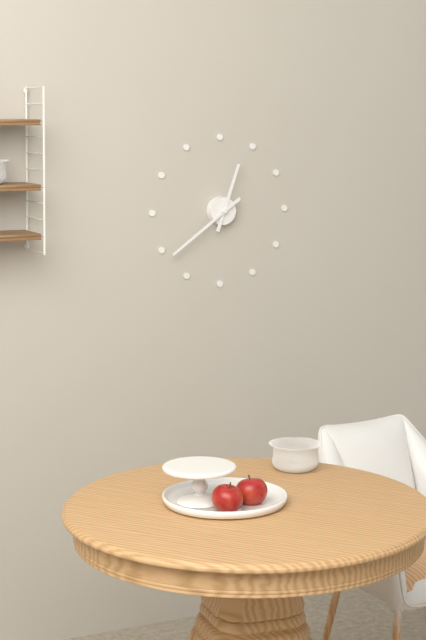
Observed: 12 h 39 min
